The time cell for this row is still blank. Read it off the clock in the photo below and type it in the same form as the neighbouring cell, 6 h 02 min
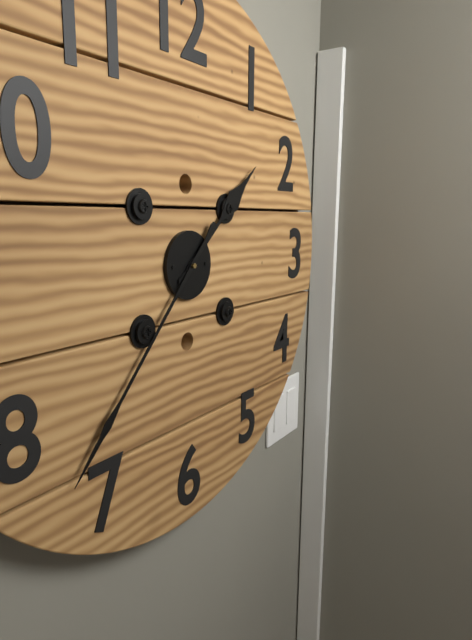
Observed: 1 h 37 min
